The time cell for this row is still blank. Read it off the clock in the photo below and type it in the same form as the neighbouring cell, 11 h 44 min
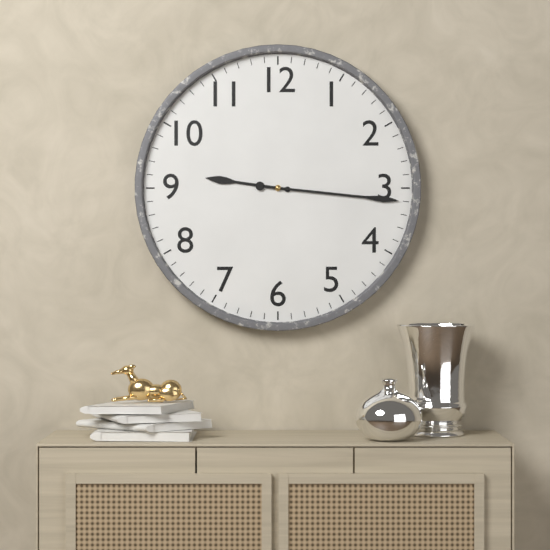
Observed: 9 h 16 min
